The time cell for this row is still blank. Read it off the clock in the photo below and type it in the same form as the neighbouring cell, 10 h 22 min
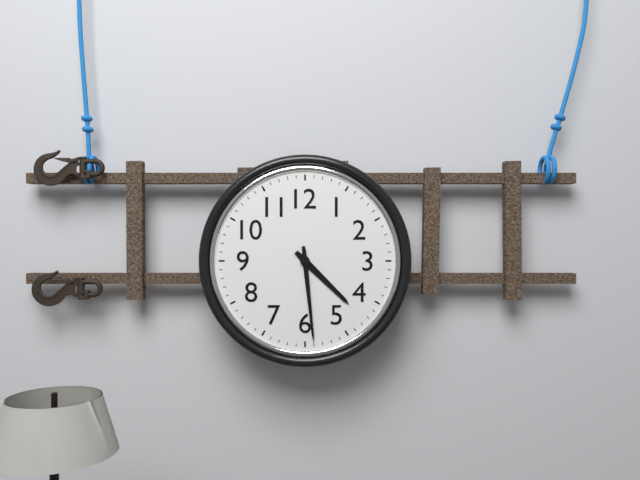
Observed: 4 h 29 min
